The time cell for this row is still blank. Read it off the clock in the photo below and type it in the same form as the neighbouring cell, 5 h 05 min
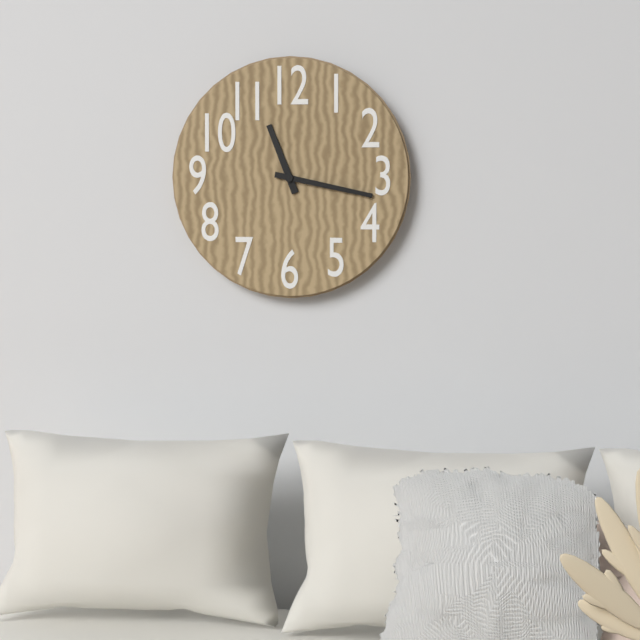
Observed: 11 h 17 min
